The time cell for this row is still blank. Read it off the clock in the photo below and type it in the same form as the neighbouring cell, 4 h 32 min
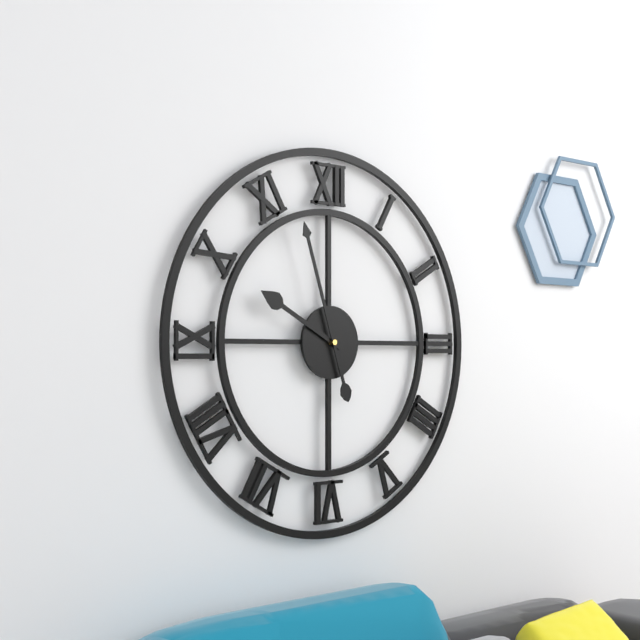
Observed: 9 h 57 min
